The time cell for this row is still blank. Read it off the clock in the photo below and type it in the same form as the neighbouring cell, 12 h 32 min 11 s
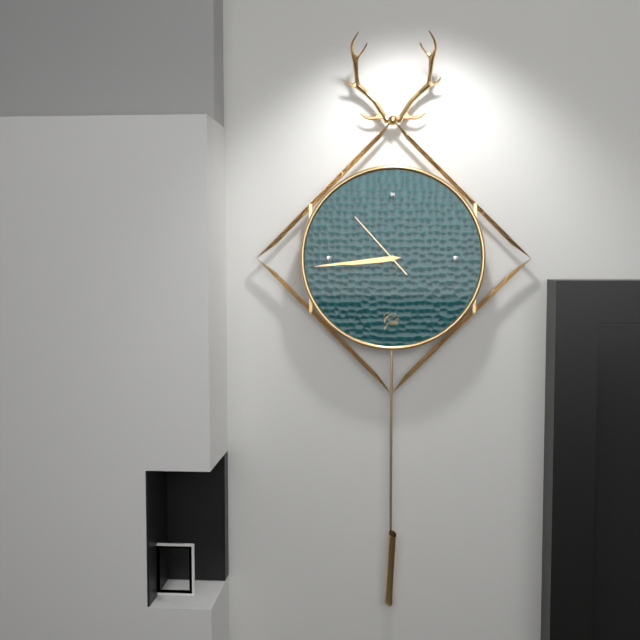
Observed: 8 h 44 min 53 s
